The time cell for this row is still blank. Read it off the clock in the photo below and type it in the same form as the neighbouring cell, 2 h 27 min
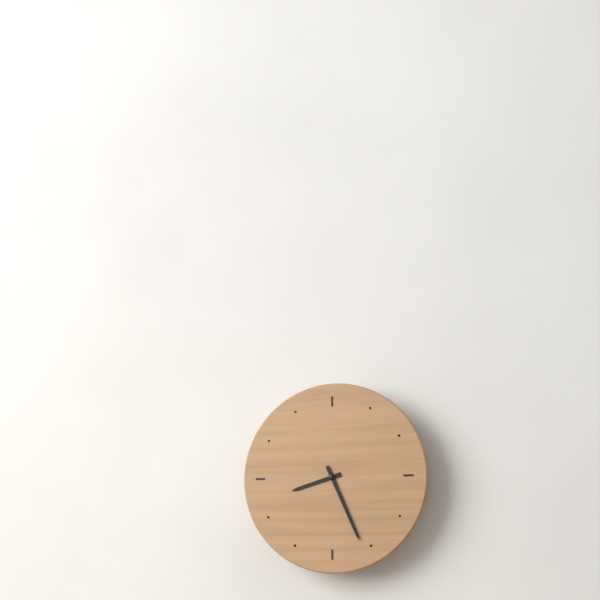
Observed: 8 h 26 min
